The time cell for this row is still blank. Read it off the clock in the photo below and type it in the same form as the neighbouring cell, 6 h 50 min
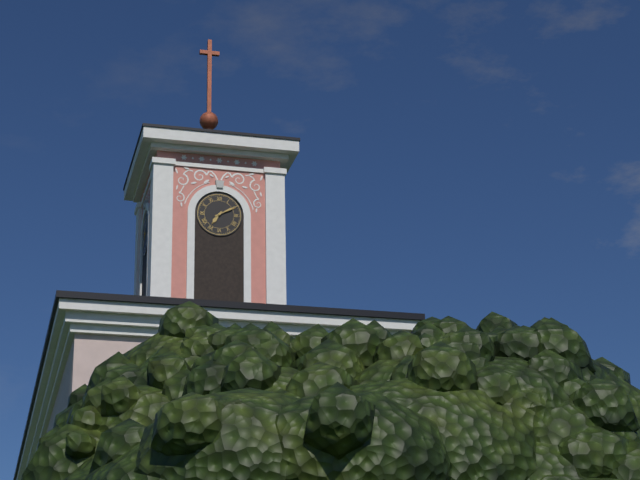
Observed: 7 h 10 min
